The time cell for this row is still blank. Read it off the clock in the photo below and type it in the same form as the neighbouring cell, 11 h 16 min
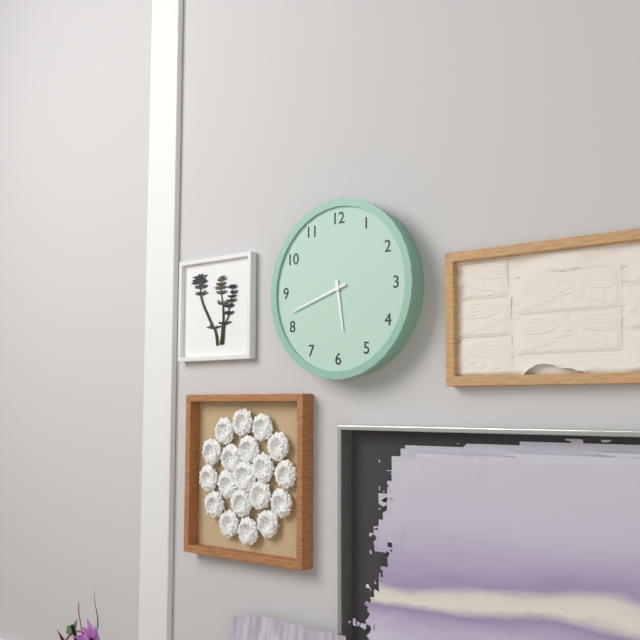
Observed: 5 h 42 min
